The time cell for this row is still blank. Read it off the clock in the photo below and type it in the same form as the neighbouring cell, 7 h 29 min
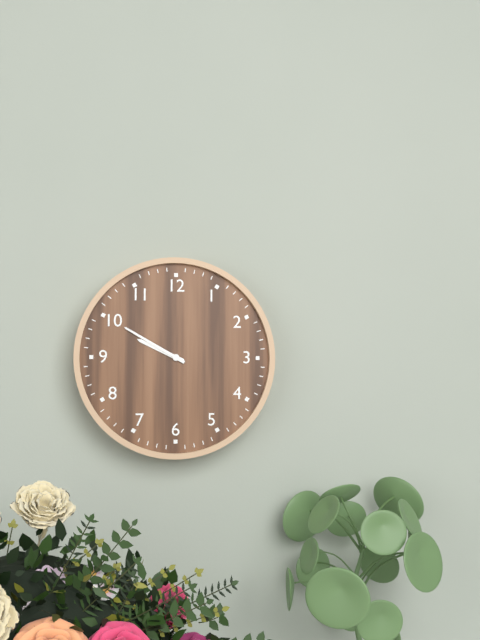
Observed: 9 h 50 min
